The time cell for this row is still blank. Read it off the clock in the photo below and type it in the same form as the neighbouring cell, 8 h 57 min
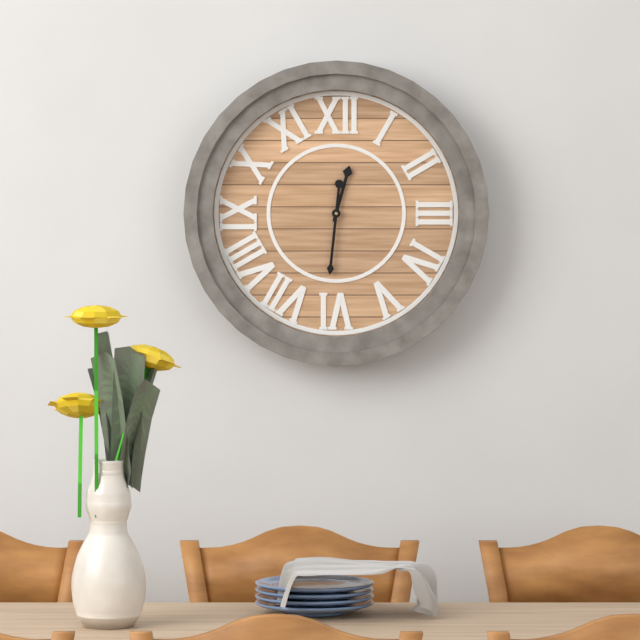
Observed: 12 h 31 min
